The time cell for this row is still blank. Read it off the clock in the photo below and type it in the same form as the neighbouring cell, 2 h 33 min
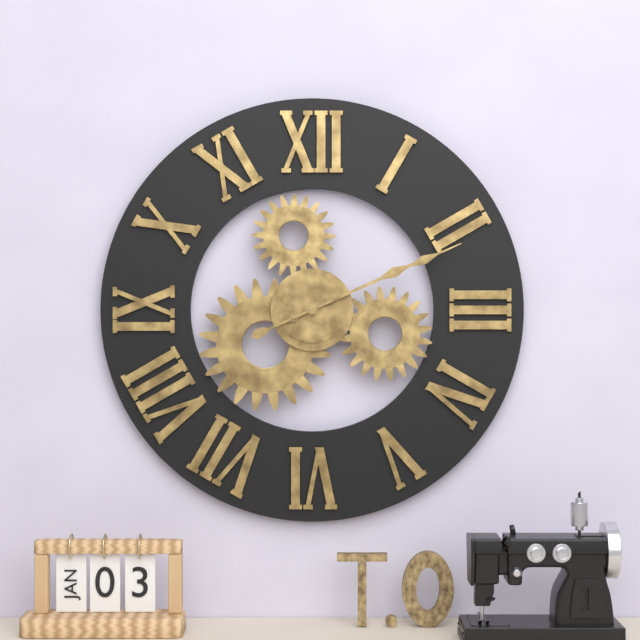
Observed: 2 h 11 min
